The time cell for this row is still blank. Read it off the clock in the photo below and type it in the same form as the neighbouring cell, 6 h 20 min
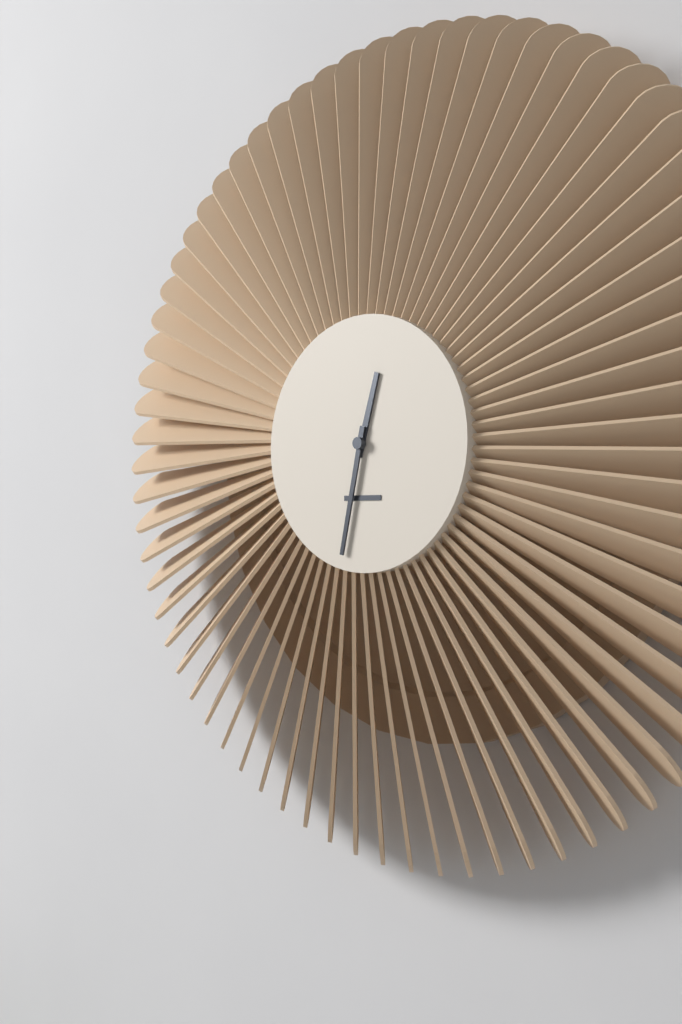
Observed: 12 h 32 min
